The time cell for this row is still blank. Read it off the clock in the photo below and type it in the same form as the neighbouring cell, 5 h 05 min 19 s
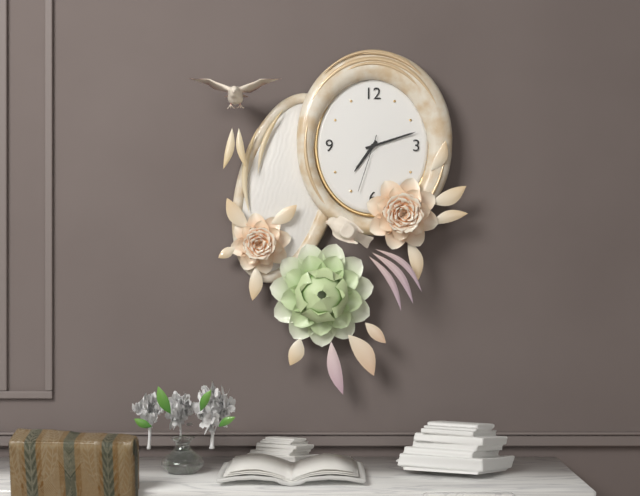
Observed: 7 h 12 min 33 s
